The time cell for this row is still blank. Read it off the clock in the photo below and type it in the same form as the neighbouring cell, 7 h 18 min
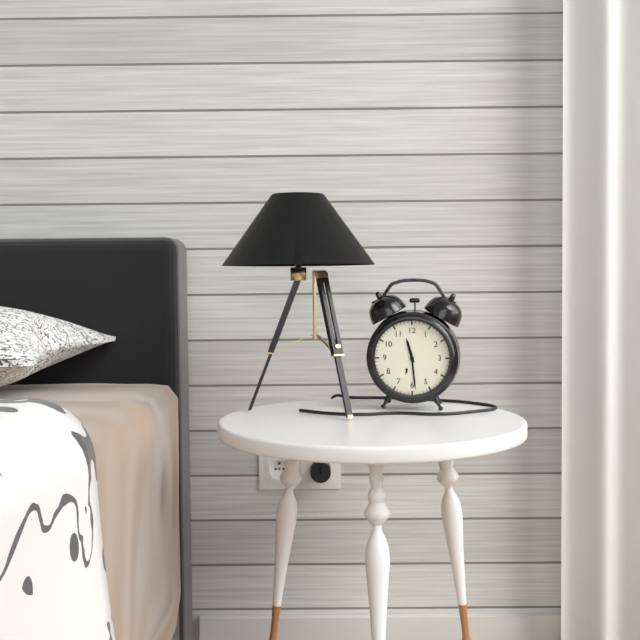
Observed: 11 h 29 min
